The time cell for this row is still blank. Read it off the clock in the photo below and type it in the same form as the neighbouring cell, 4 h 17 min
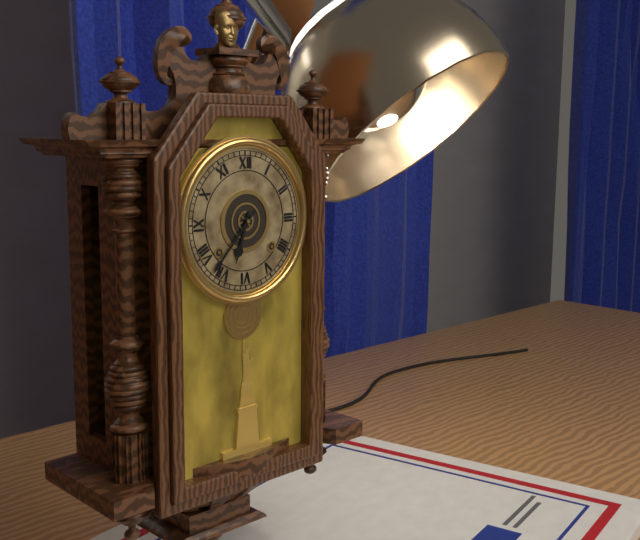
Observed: 6 h 37 min
